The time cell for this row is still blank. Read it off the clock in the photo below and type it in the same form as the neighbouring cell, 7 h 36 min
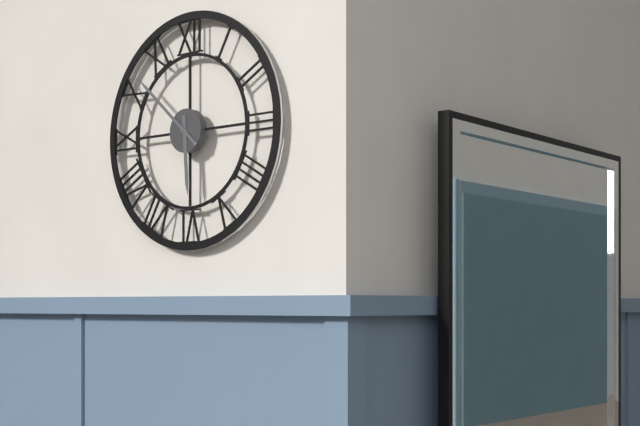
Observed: 5 h 52 min
